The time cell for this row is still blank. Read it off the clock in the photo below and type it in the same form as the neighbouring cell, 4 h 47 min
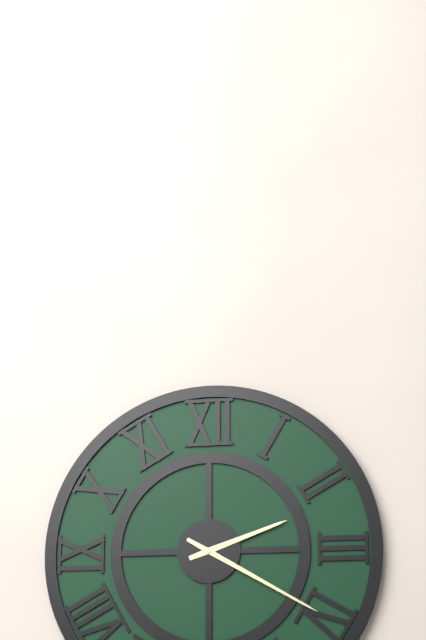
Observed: 2 h 20 min
